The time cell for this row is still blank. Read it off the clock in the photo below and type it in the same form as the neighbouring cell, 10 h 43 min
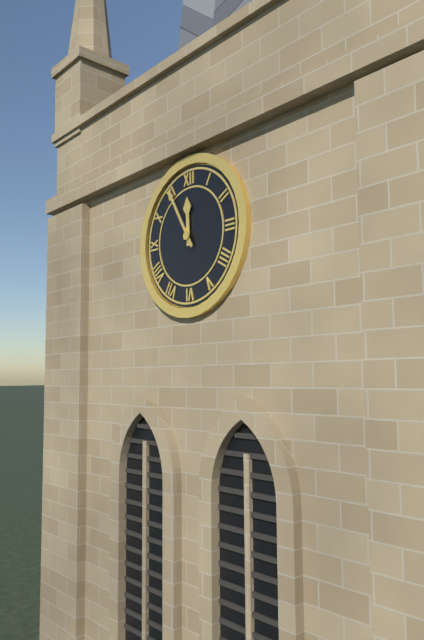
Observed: 11 h 55 min
